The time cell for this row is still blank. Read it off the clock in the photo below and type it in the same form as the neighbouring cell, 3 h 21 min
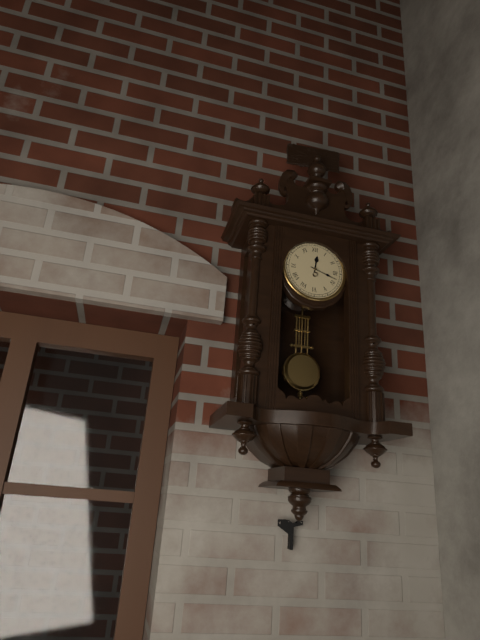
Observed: 12 h 18 min
